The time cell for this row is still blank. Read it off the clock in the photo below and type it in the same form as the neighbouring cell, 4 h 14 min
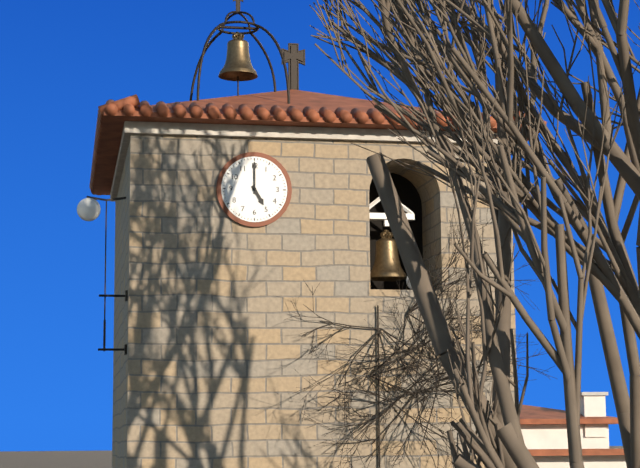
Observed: 5 h 00 min
